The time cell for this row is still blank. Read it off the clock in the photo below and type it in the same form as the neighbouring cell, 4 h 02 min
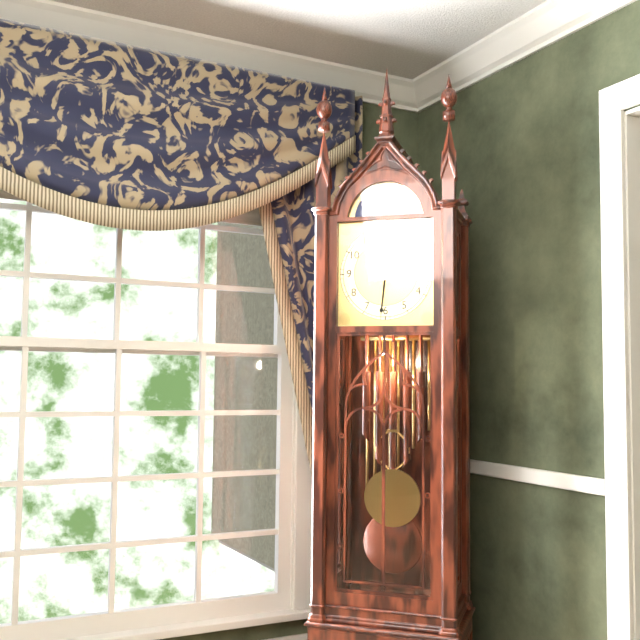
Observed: 10 h 31 min
